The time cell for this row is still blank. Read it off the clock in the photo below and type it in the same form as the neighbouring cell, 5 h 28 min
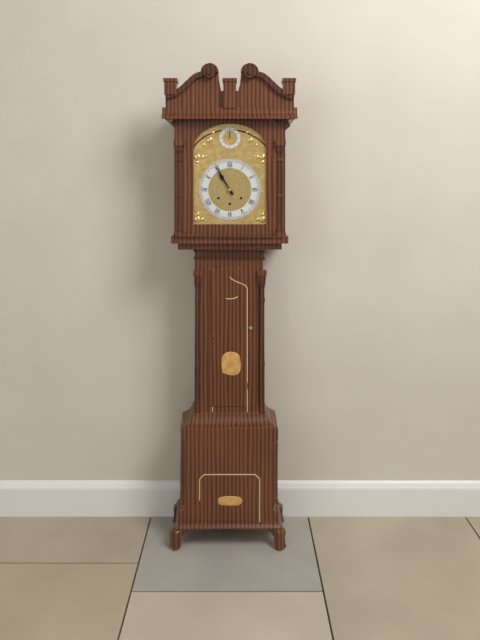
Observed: 10 h 55 min
